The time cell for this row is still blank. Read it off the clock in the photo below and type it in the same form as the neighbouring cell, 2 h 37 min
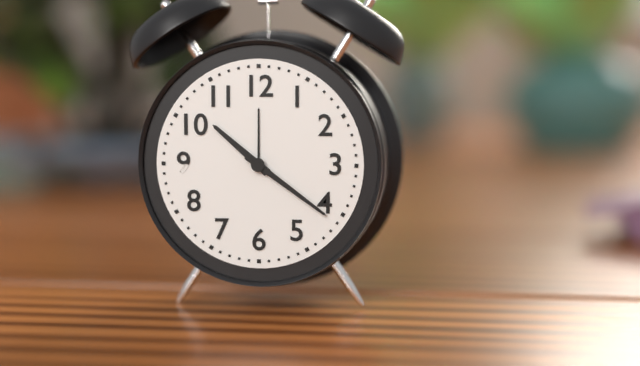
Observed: 10 h 21 min
